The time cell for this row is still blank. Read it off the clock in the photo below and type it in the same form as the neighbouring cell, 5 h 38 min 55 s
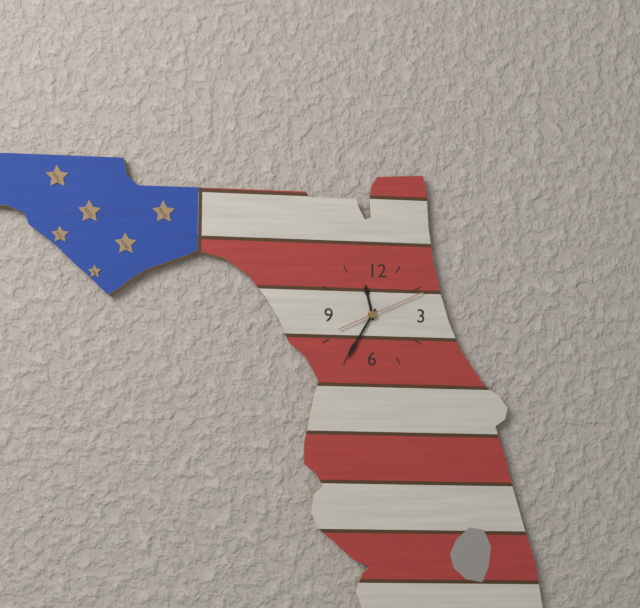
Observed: 11 h 35 min 11 s
